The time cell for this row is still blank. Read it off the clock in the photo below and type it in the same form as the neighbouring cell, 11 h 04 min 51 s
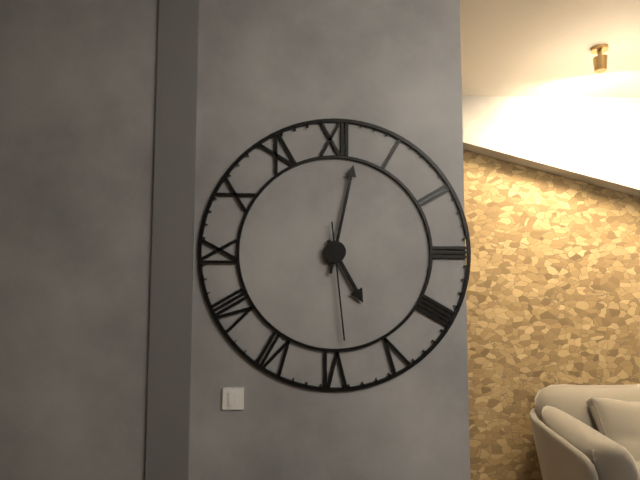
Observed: 5 h 02 min 29 s
